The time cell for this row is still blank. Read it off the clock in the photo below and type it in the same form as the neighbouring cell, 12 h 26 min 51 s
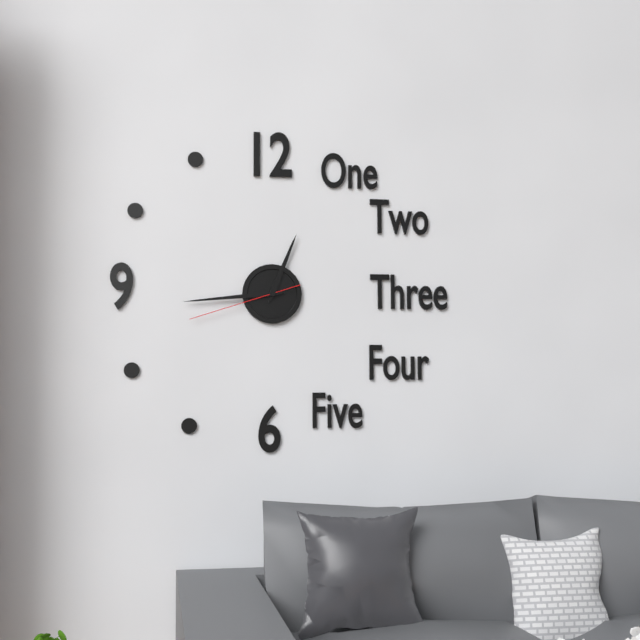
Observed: 12 h 44 min 42 s
